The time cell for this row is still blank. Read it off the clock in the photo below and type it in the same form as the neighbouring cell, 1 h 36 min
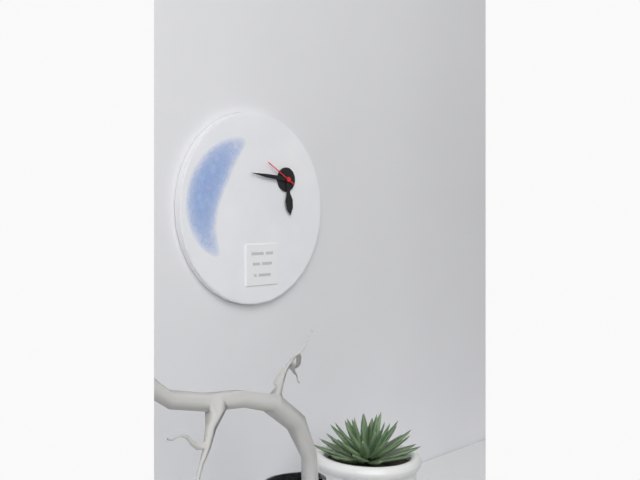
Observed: 5 h 46 min
